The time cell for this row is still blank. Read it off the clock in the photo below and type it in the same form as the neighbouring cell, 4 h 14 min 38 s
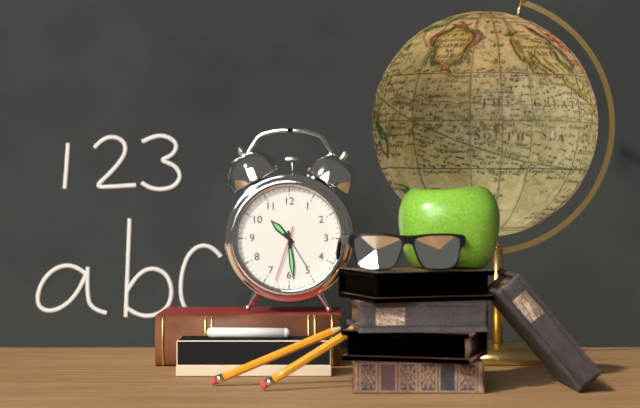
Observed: 10 h 29 min 33 s
